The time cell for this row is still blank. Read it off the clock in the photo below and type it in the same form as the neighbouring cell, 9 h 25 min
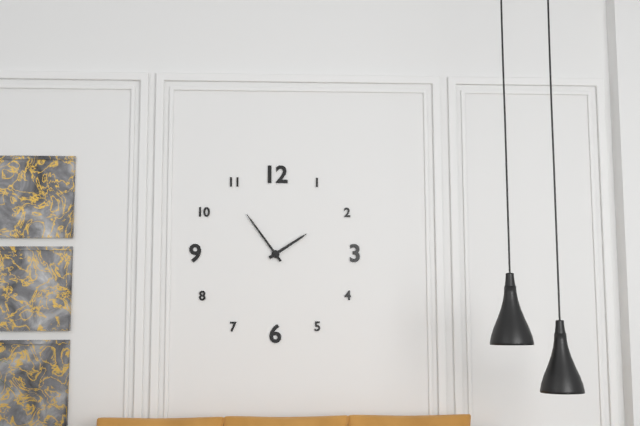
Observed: 1 h 54 min
